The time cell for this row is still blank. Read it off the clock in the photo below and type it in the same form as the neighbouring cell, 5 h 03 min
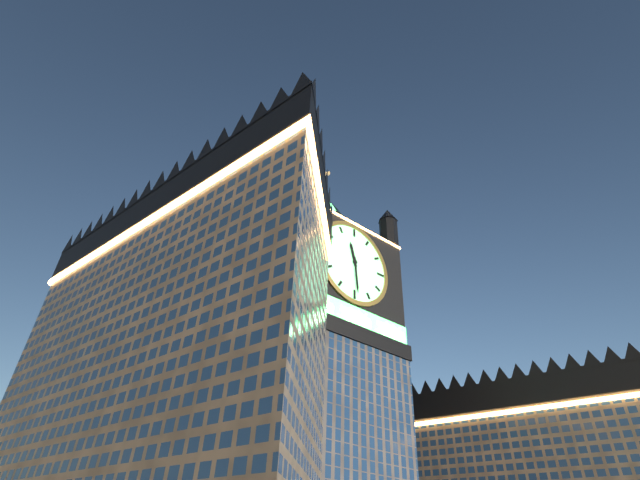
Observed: 11 h 29 min
